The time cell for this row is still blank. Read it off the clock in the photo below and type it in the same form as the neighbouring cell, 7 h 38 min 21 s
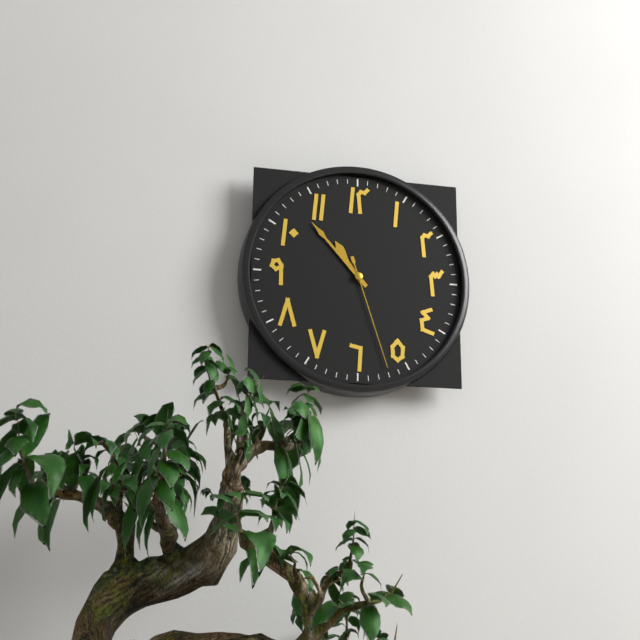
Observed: 10 h 53 min 27 s
